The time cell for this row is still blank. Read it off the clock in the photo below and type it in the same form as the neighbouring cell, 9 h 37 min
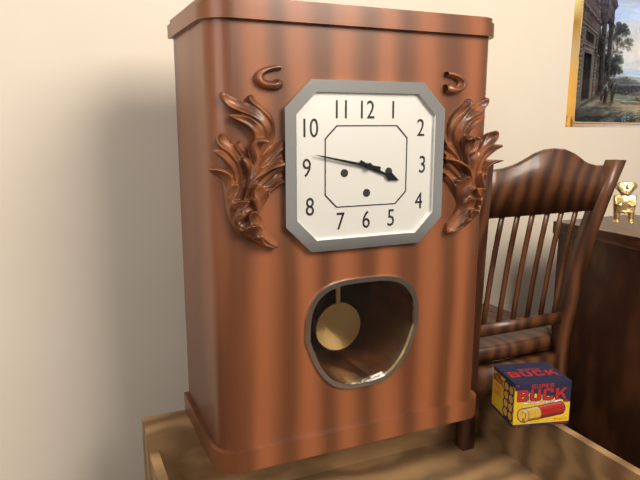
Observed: 3 h 47 min
